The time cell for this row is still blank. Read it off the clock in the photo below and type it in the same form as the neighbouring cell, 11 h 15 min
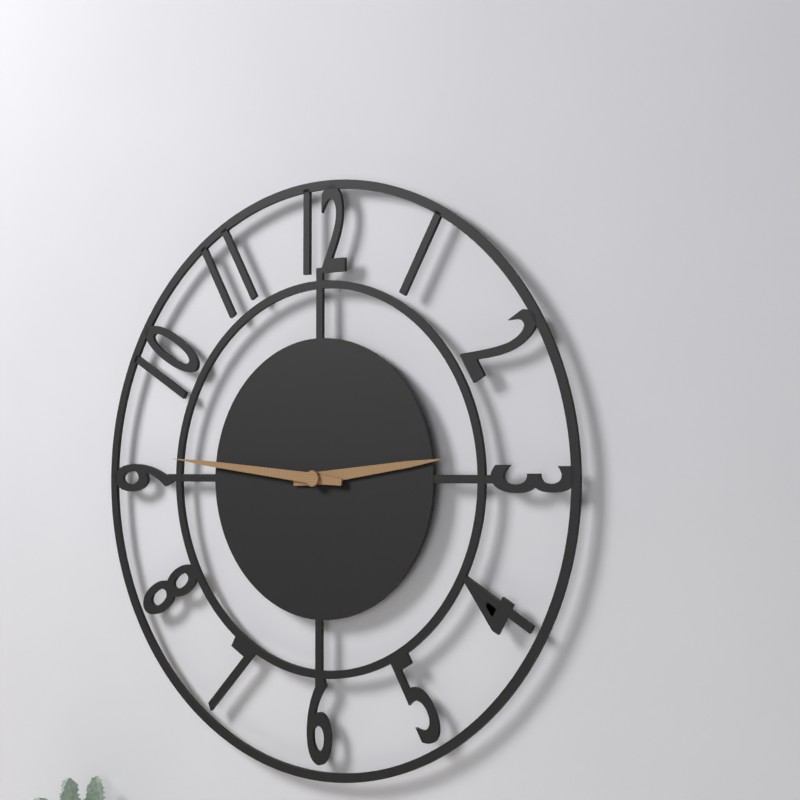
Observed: 2 h 46 min
